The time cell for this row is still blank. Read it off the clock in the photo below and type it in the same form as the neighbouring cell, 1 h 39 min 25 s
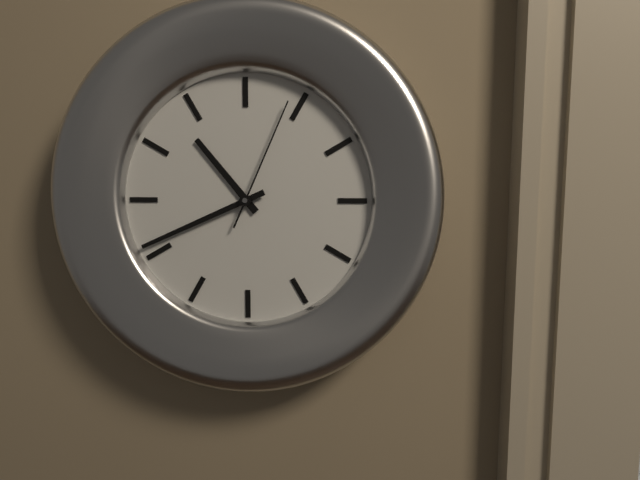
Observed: 10 h 41 min 04 s
